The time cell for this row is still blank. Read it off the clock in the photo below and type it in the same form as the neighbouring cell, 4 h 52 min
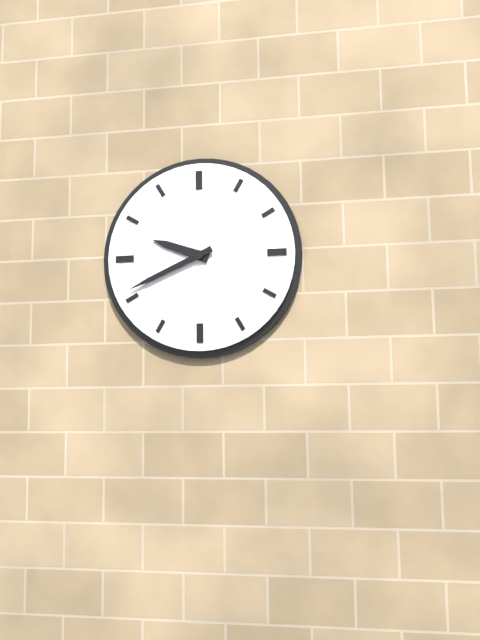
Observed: 9 h 41 min
